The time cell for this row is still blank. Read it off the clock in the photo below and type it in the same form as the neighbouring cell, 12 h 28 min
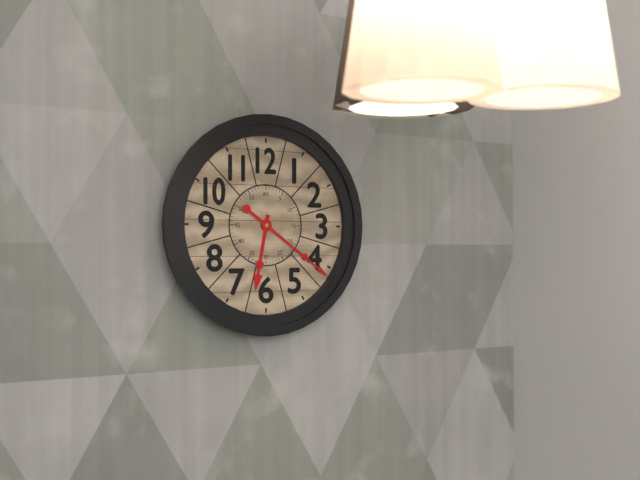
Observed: 6 h 21 min
